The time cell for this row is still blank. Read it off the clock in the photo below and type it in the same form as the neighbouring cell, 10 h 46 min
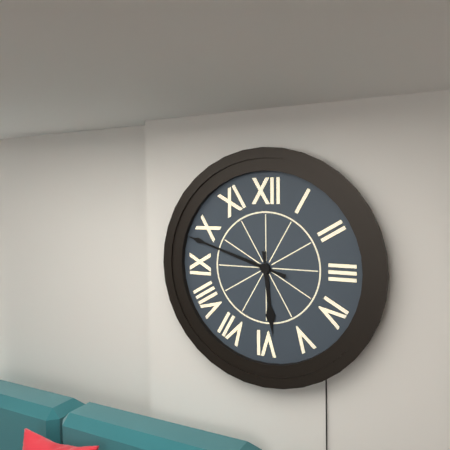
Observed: 5 h 48 min
